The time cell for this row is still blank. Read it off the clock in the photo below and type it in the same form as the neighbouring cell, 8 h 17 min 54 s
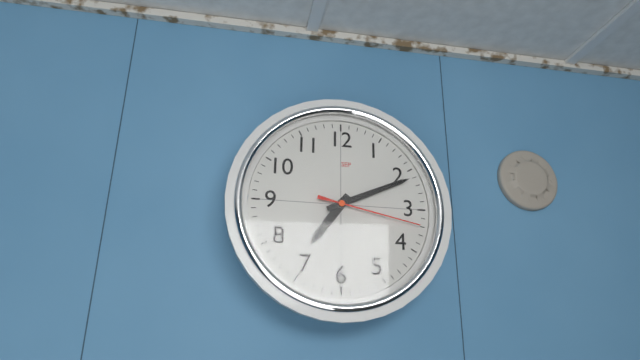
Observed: 7 h 11 min 17 s
